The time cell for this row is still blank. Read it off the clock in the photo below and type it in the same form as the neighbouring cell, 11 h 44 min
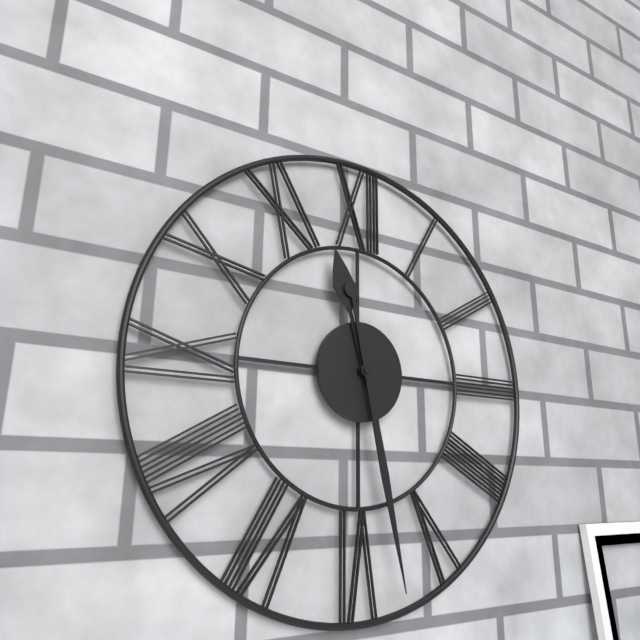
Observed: 11 h 28 min
